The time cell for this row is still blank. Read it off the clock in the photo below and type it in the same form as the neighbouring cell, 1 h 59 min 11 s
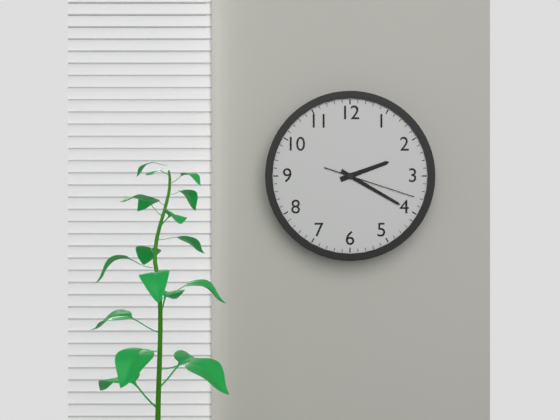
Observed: 2 h 20 min 18 s
